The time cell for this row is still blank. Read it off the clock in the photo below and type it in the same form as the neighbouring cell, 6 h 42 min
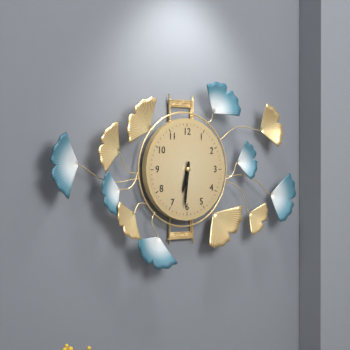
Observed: 6 h 31 min
